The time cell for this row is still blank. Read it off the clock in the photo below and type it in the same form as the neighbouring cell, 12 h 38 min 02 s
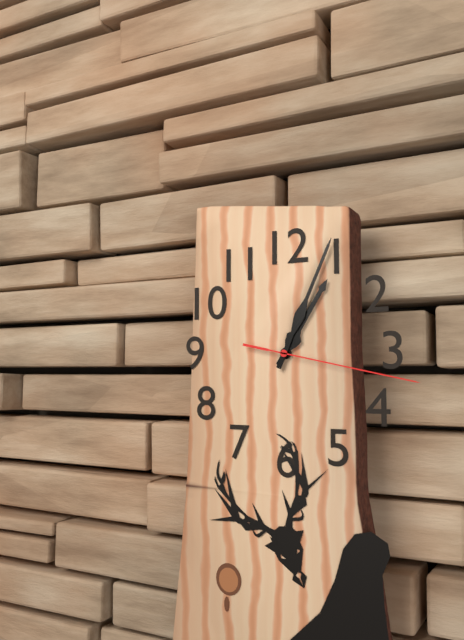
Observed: 1 h 04 min 17 s
